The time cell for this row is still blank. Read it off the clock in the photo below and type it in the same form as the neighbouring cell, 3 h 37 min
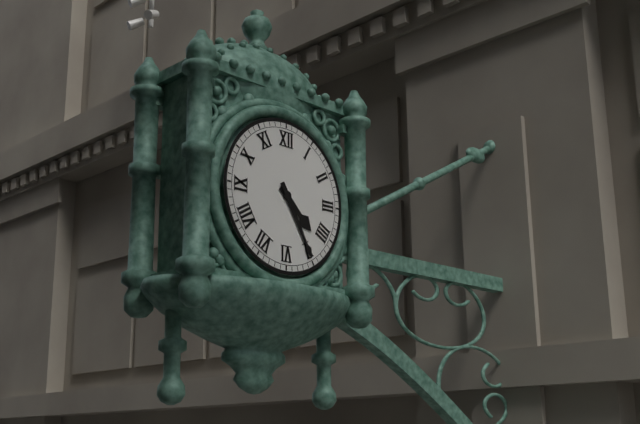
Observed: 4 h 25 min
